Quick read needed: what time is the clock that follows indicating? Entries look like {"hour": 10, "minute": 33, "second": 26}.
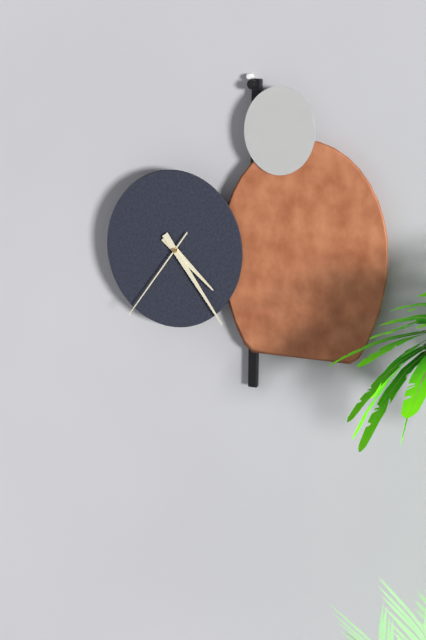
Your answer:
{"hour": 4, "minute": 24, "second": 36}
